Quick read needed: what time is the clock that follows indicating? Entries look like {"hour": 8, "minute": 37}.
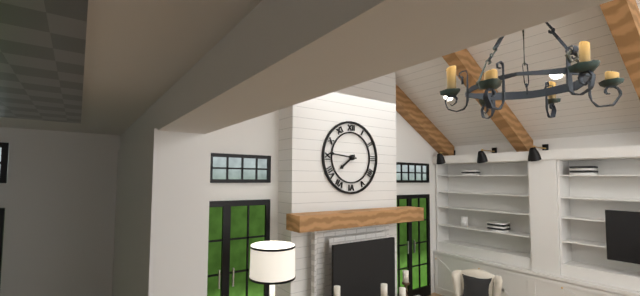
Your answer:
{"hour": 7, "minute": 46}
